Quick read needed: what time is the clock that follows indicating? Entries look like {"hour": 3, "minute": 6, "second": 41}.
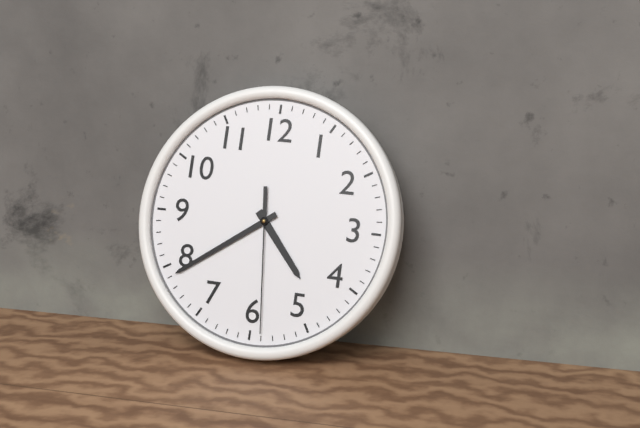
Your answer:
{"hour": 4, "minute": 39, "second": 29}
